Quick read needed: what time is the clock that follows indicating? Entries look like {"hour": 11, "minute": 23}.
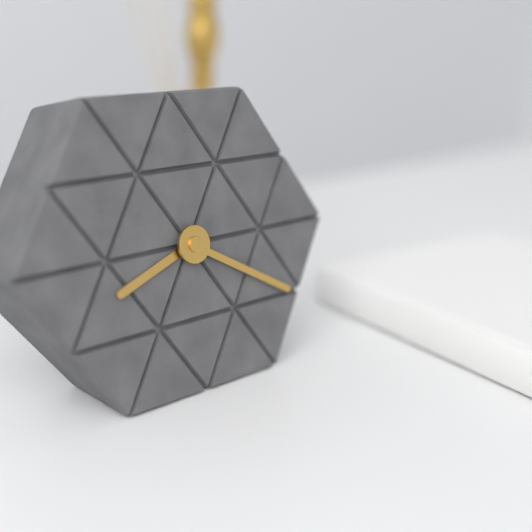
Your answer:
{"hour": 8, "minute": 20}
